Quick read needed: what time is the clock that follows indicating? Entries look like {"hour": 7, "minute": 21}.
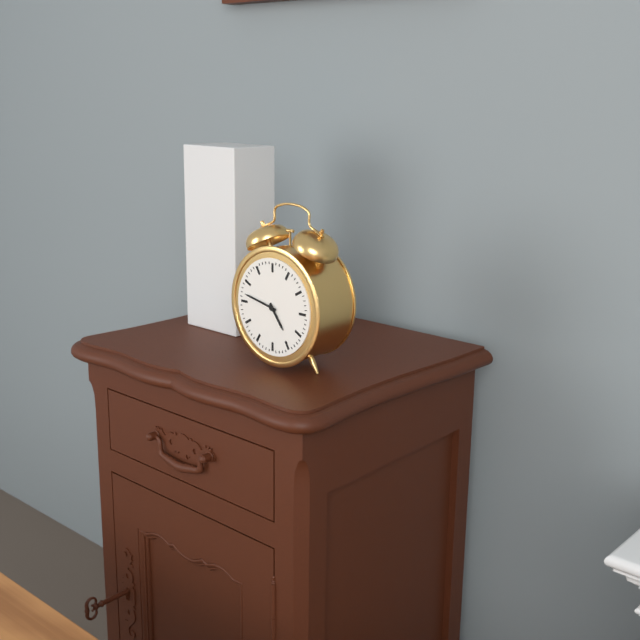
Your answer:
{"hour": 4, "minute": 47}
